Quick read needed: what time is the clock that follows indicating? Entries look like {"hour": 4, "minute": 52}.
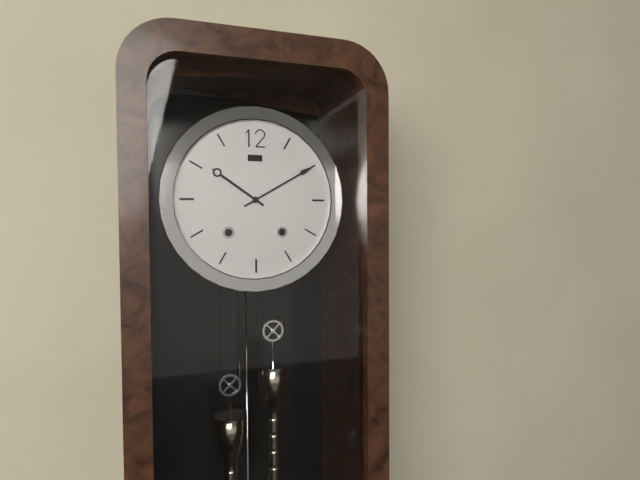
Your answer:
{"hour": 10, "minute": 10}
